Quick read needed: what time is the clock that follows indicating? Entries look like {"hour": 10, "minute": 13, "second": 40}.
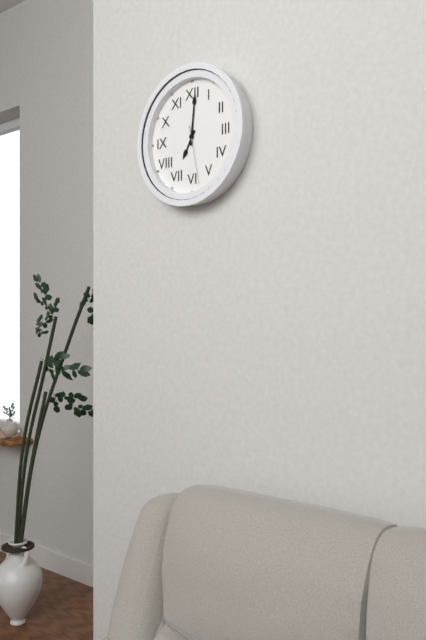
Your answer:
{"hour": 7, "minute": 1, "second": 28}
